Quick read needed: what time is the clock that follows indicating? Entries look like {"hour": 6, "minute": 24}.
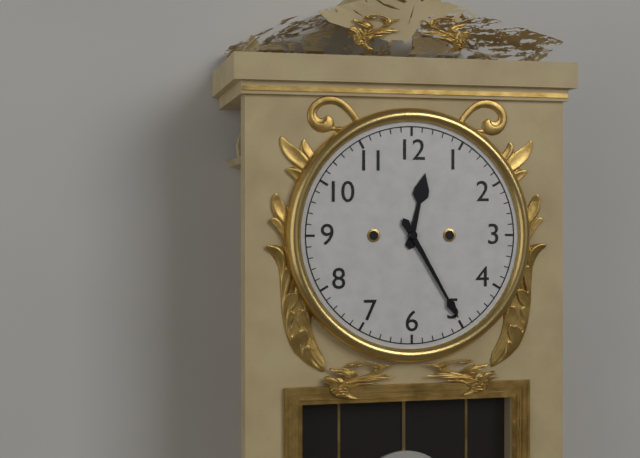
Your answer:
{"hour": 12, "minute": 25}
